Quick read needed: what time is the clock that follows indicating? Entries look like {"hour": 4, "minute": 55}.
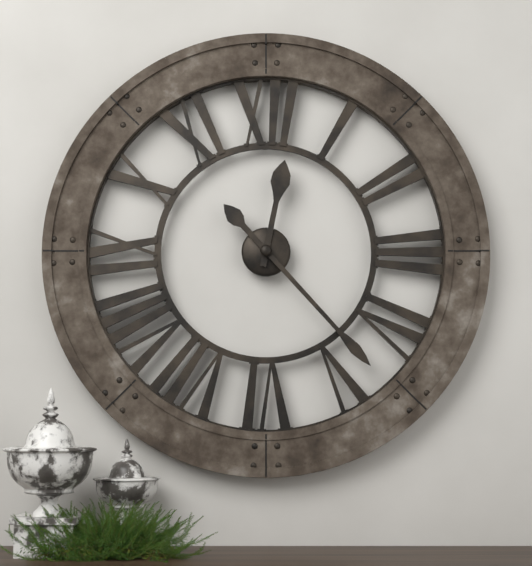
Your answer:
{"hour": 12, "minute": 23}
